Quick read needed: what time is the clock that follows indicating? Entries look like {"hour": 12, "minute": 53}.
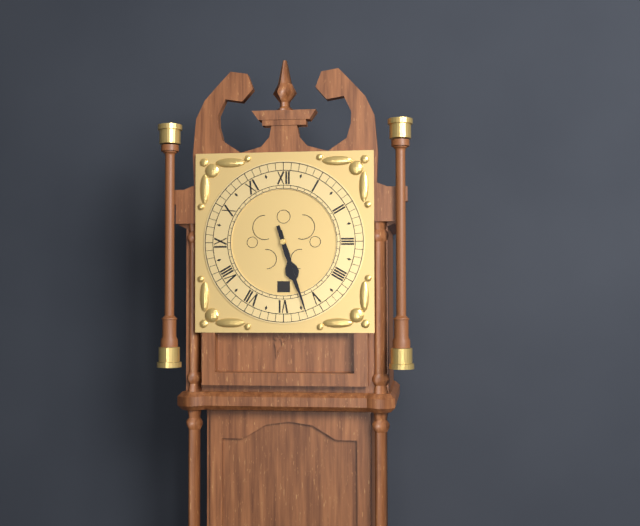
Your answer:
{"hour": 5, "minute": 27}
